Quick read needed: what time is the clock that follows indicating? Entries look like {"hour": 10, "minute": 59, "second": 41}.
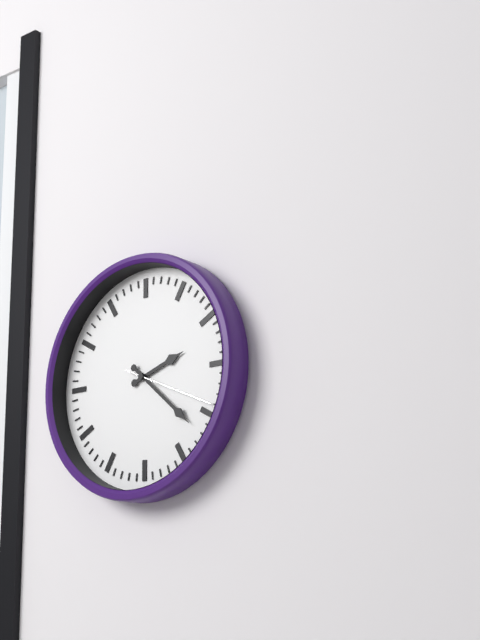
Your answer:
{"hour": 2, "minute": 22, "second": 19}
